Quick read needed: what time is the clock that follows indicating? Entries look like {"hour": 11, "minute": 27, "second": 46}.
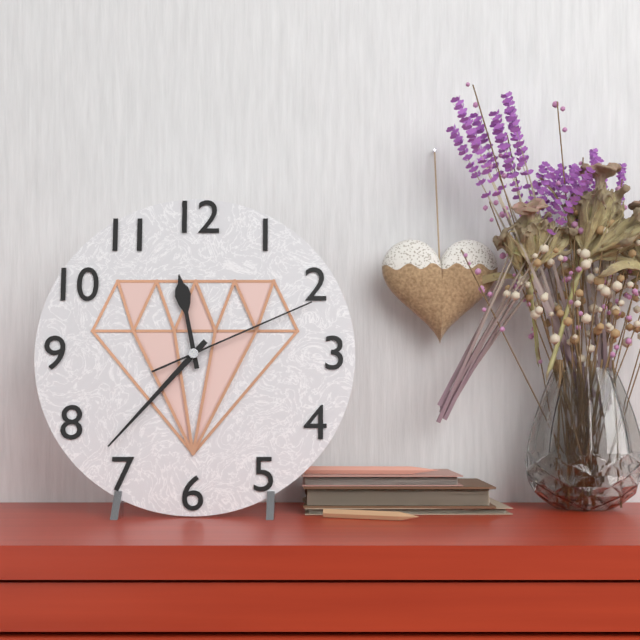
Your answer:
{"hour": 11, "minute": 37, "second": 11}
